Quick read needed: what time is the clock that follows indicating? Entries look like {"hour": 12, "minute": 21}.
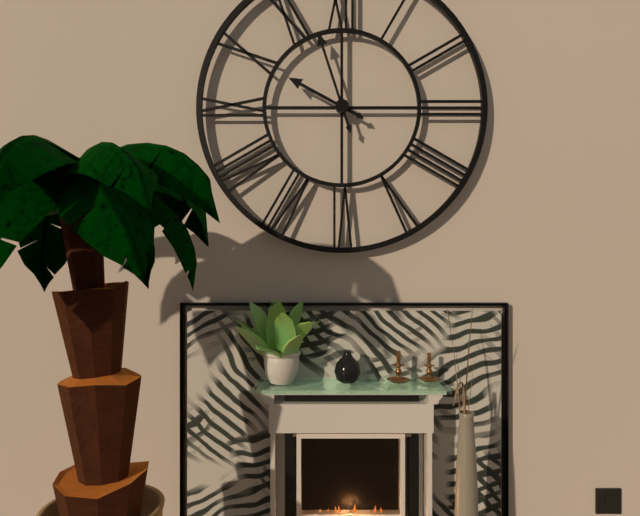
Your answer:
{"hour": 9, "minute": 57}
